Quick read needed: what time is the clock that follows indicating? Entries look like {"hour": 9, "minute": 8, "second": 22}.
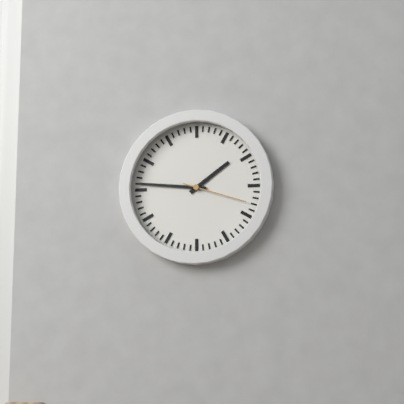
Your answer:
{"hour": 1, "minute": 46, "second": 18}
